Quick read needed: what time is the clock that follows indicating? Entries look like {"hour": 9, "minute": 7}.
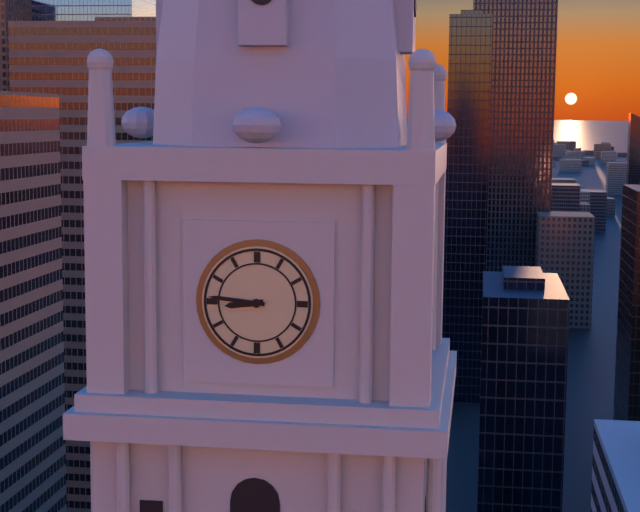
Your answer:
{"hour": 8, "minute": 46}
